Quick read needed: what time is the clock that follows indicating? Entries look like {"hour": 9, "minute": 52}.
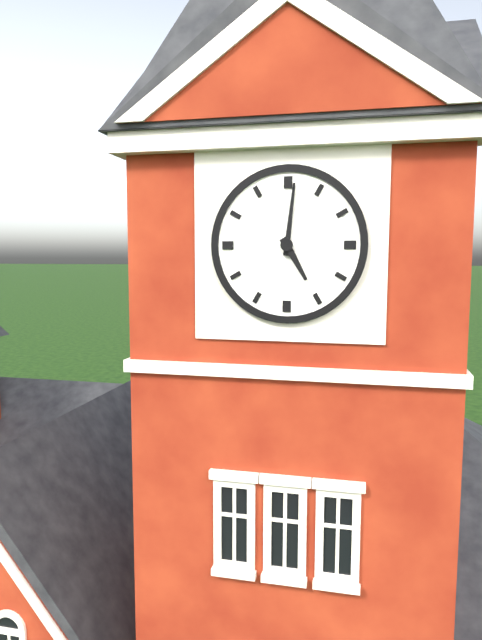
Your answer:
{"hour": 5, "minute": 1}
